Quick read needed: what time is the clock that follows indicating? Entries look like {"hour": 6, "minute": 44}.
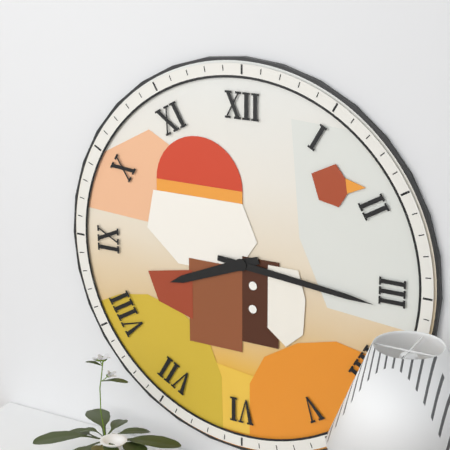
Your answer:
{"hour": 8, "minute": 16}
